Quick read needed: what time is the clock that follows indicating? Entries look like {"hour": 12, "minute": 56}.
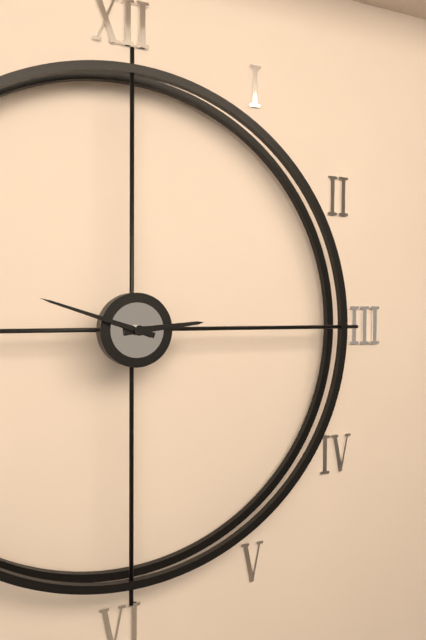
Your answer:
{"hour": 2, "minute": 48}
